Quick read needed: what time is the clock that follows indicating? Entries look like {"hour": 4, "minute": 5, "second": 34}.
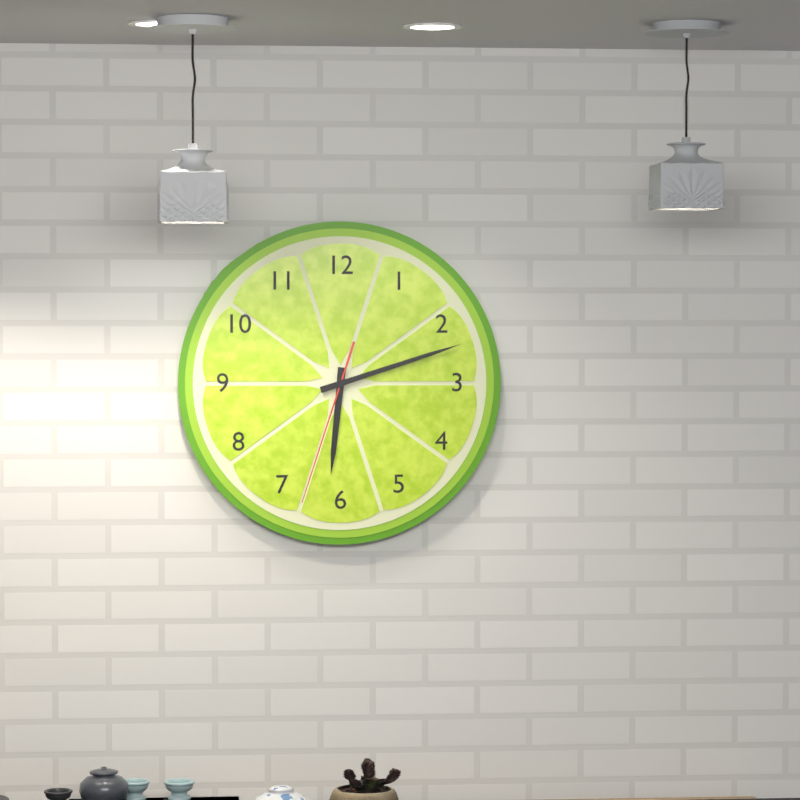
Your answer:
{"hour": 6, "minute": 12, "second": 33}
